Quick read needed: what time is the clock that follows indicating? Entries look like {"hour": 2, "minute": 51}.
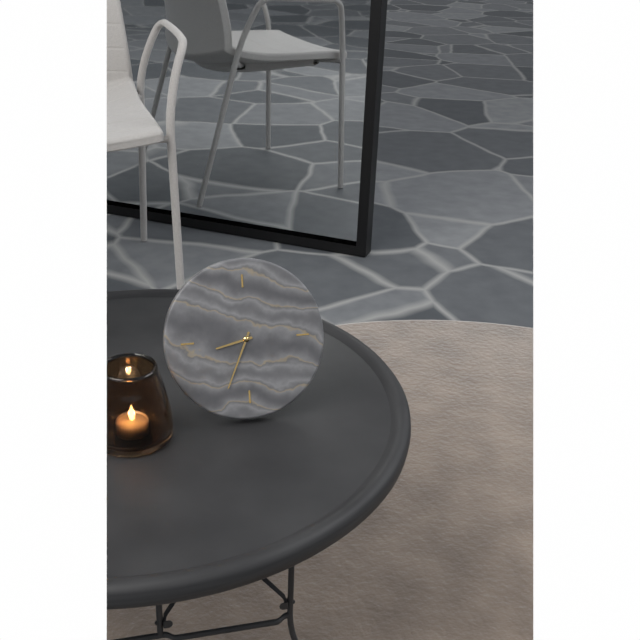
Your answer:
{"hour": 8, "minute": 34}
